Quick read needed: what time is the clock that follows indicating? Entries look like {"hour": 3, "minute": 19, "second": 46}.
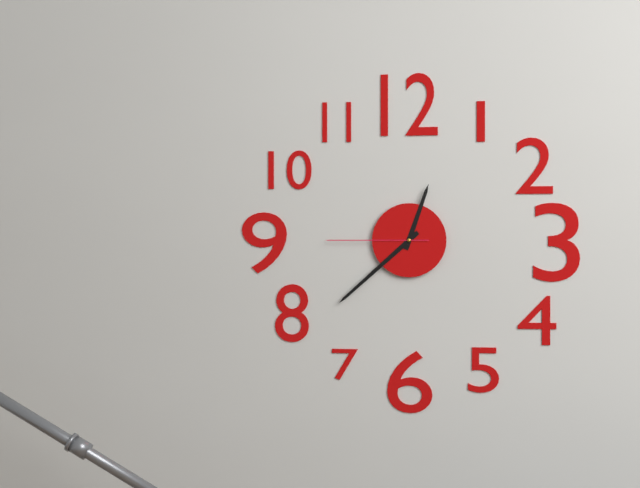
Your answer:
{"hour": 12, "minute": 38, "second": 45}
